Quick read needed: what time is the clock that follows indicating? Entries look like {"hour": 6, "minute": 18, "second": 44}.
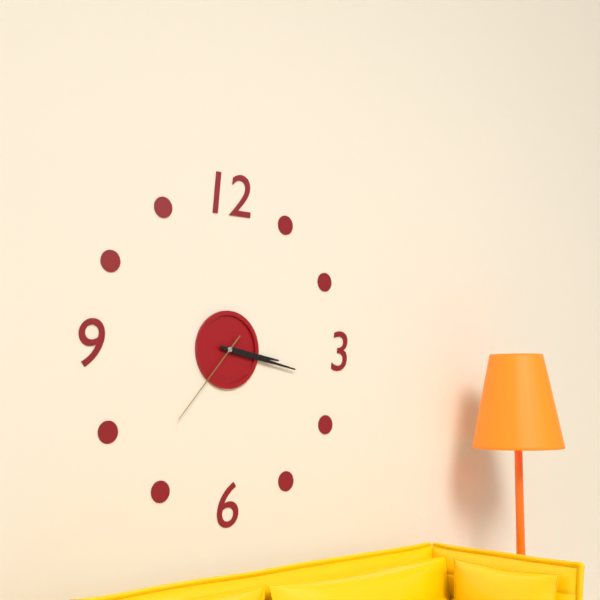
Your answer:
{"hour": 3, "minute": 17, "second": 37}
